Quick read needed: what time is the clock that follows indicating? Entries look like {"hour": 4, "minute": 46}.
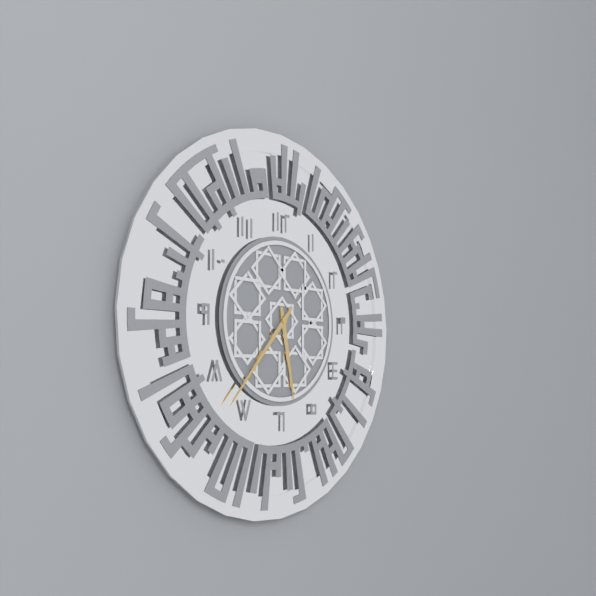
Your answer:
{"hour": 5, "minute": 37}
